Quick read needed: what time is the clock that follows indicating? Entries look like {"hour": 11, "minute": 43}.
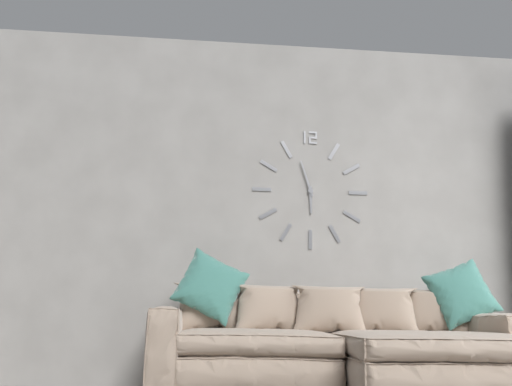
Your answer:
{"hour": 5, "minute": 57}
